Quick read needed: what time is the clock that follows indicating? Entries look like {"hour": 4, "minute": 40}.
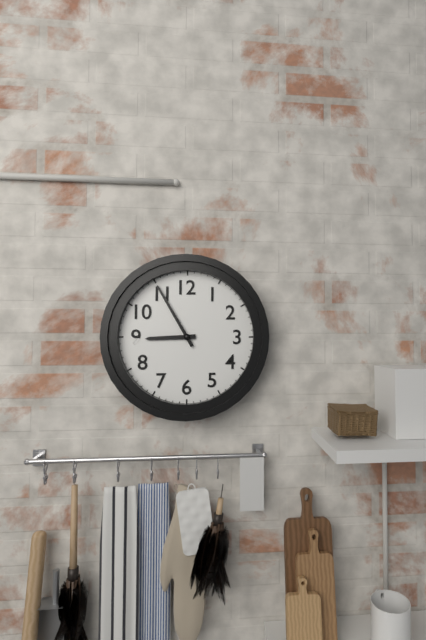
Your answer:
{"hour": 8, "minute": 55}
